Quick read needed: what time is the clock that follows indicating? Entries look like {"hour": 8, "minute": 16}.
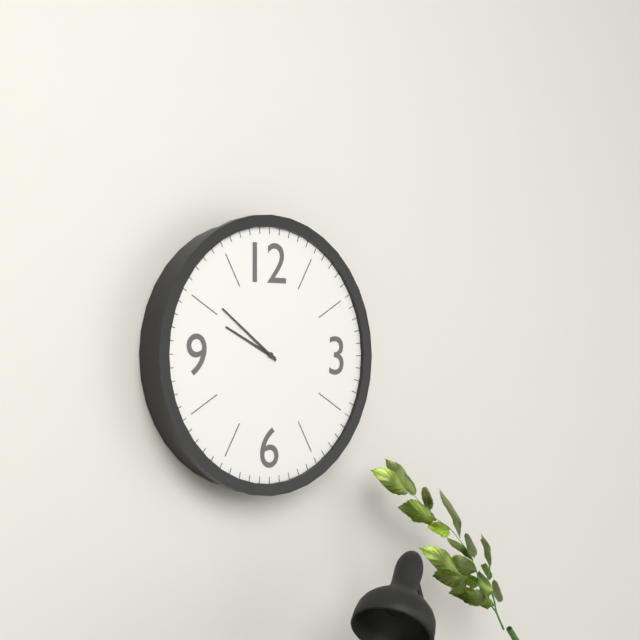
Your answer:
{"hour": 9, "minute": 51}
